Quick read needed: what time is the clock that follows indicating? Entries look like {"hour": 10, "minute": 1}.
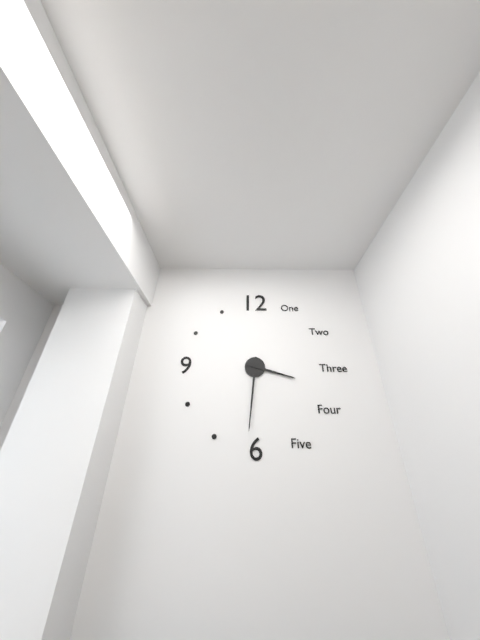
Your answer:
{"hour": 3, "minute": 31}
